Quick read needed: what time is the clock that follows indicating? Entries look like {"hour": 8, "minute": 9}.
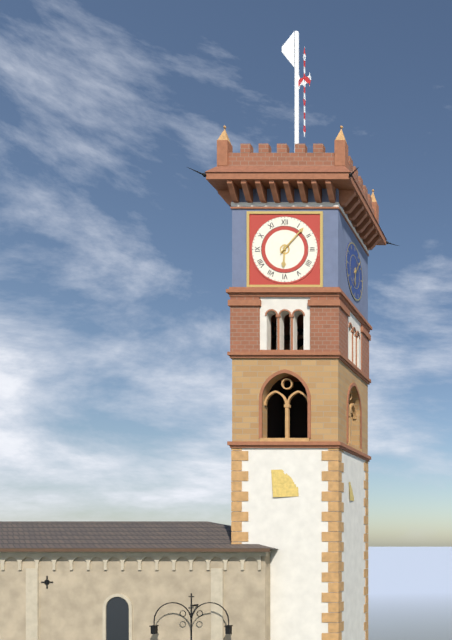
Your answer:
{"hour": 6, "minute": 7}
